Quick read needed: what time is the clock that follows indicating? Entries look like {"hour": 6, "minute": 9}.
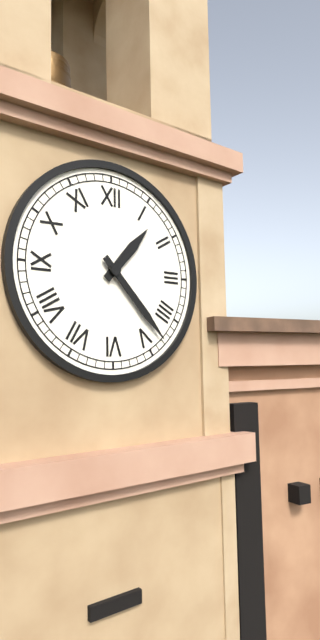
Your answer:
{"hour": 1, "minute": 23}
